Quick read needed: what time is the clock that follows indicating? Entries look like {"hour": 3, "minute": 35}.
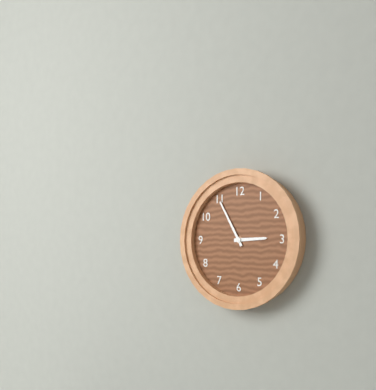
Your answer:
{"hour": 2, "minute": 55}
